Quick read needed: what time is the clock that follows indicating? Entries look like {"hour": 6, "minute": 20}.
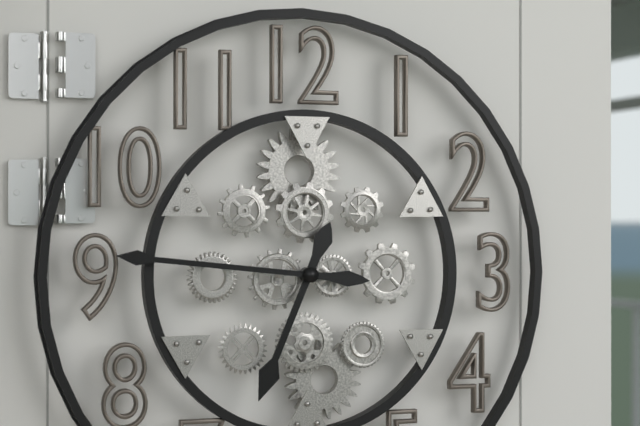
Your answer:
{"hour": 6, "minute": 46}
